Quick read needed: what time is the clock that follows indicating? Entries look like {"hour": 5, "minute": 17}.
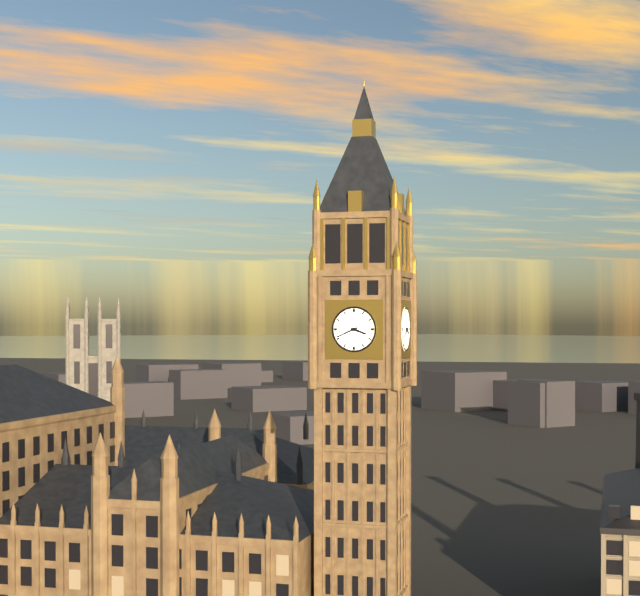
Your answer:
{"hour": 3, "minute": 41}
